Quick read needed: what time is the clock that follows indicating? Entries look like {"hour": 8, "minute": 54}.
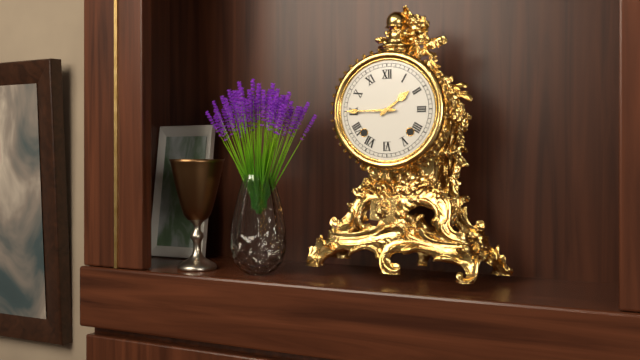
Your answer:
{"hour": 1, "minute": 45}
